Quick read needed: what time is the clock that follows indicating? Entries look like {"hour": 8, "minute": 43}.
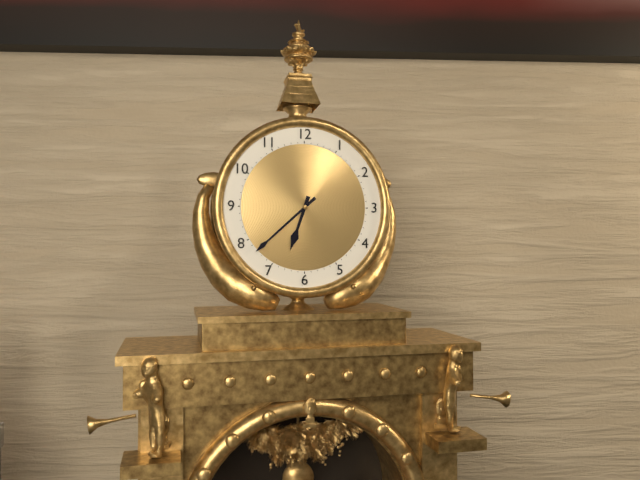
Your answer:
{"hour": 6, "minute": 38}
